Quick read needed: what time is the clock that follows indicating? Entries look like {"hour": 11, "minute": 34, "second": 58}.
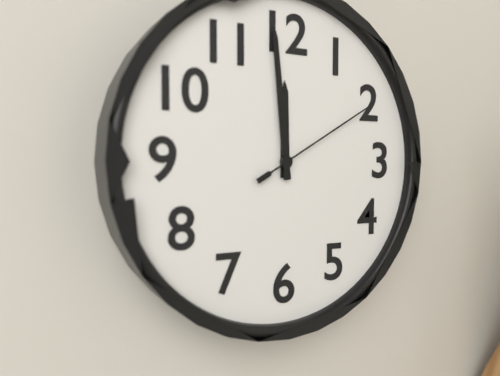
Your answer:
{"hour": 11, "minute": 59, "second": 10}
